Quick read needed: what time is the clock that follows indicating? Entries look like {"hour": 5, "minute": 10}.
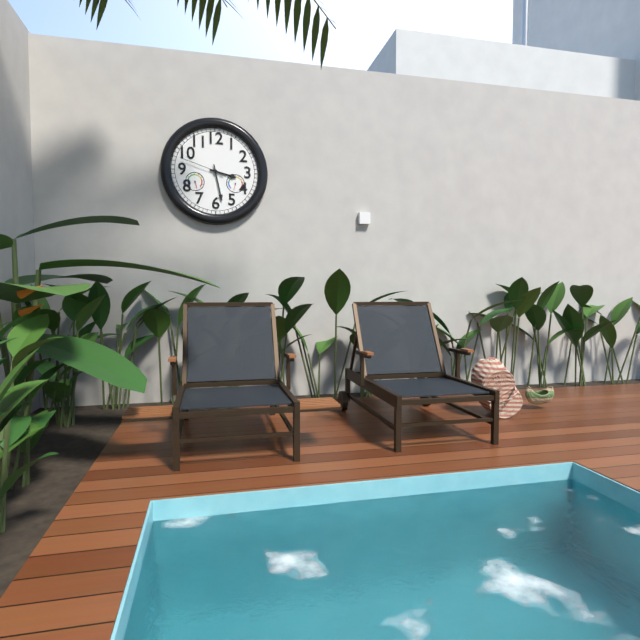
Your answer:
{"hour": 3, "minute": 28}
